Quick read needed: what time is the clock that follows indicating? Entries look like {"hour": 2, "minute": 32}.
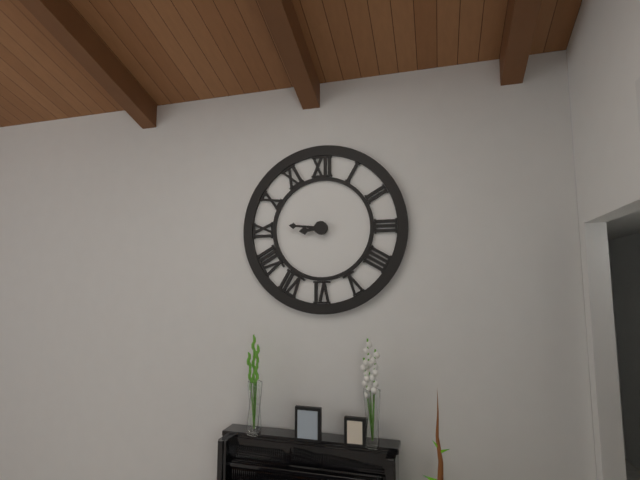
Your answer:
{"hour": 8, "minute": 46}
